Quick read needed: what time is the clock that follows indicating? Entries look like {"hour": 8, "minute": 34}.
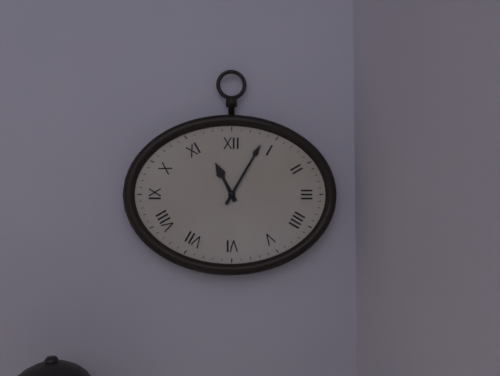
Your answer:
{"hour": 11, "minute": 5}
